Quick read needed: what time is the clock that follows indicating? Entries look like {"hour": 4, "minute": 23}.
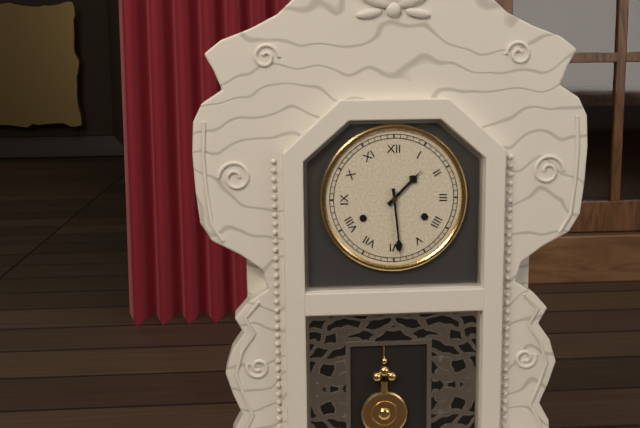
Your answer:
{"hour": 1, "minute": 29}
